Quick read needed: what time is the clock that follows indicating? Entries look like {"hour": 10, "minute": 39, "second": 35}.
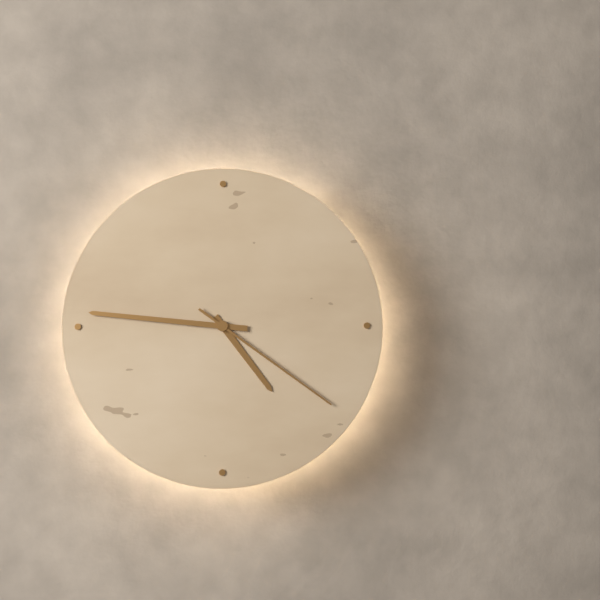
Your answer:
{"hour": 4, "minute": 46, "second": 21}
